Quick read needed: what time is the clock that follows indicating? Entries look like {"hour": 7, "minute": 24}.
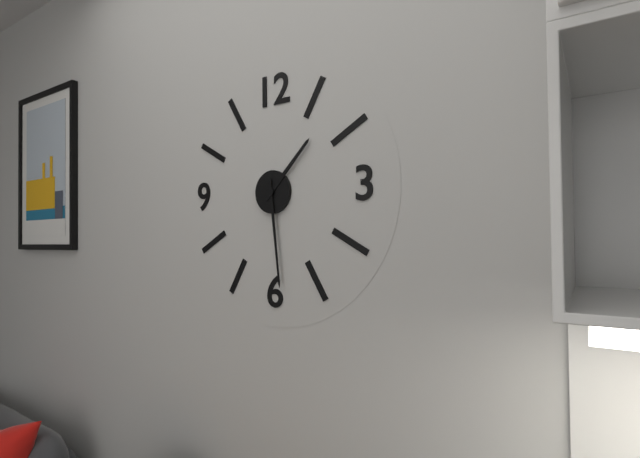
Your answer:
{"hour": 1, "minute": 29}
